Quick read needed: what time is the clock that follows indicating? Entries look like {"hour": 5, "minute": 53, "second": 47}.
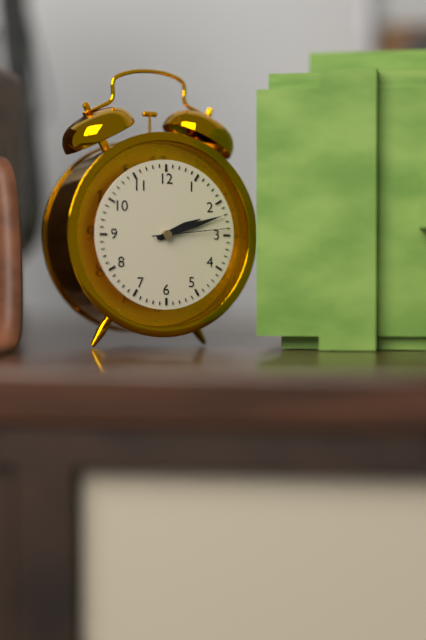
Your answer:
{"hour": 2, "minute": 12, "second": 14}
